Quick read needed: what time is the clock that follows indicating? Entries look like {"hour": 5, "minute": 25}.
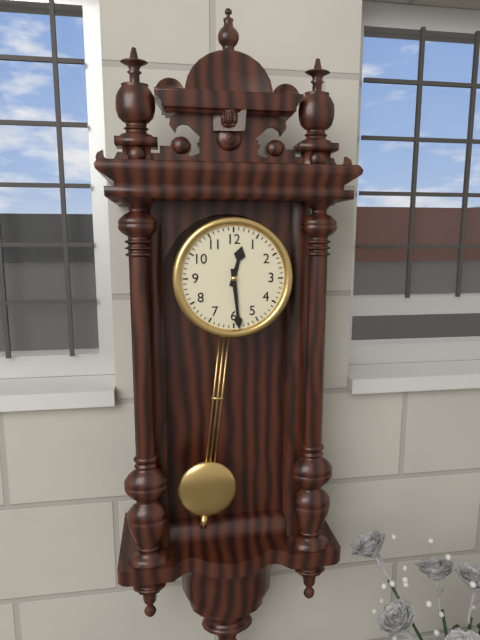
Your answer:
{"hour": 12, "minute": 29}
